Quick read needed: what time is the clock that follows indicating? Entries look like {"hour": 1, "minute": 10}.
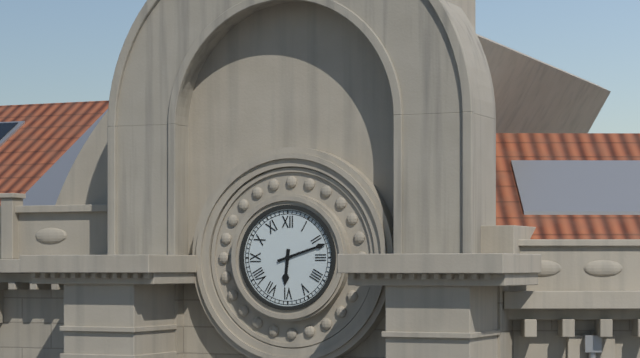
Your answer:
{"hour": 6, "minute": 12}
